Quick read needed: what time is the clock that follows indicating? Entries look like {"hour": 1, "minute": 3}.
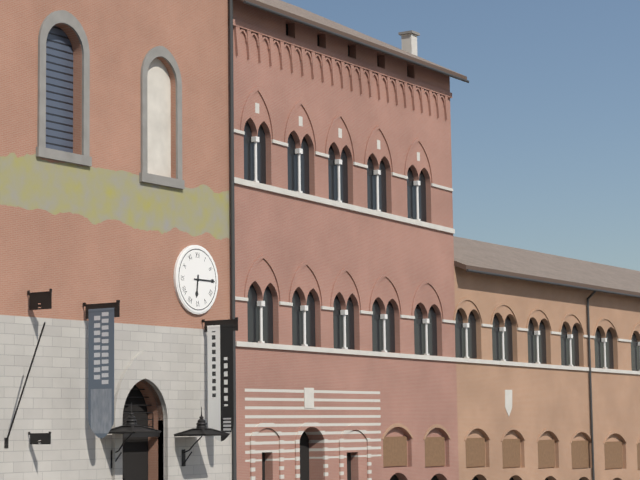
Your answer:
{"hour": 6, "minute": 15}
